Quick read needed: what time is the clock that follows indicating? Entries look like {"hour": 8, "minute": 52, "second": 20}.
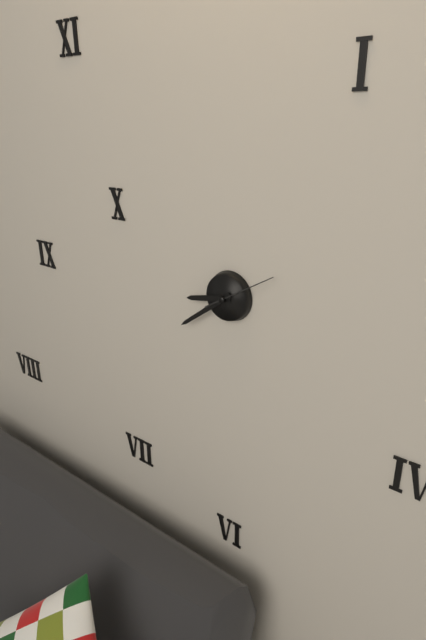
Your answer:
{"hour": 8, "minute": 39, "second": 10}
